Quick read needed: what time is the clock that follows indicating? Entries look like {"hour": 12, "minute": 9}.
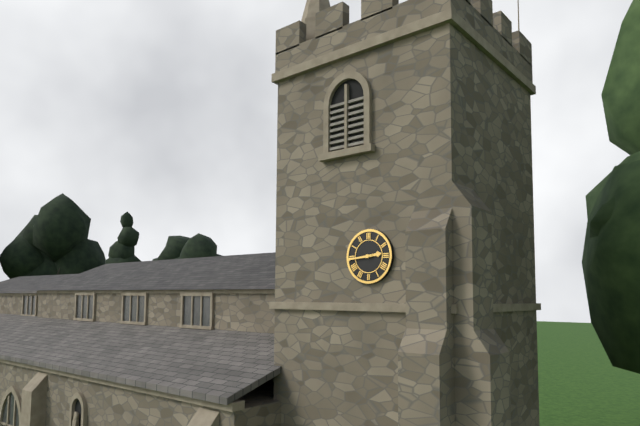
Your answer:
{"hour": 2, "minute": 44}
